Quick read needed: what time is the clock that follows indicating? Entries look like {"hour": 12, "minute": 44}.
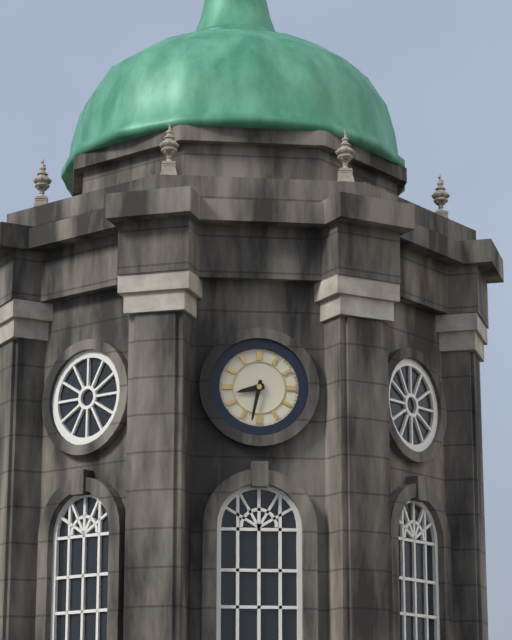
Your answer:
{"hour": 8, "minute": 32}
